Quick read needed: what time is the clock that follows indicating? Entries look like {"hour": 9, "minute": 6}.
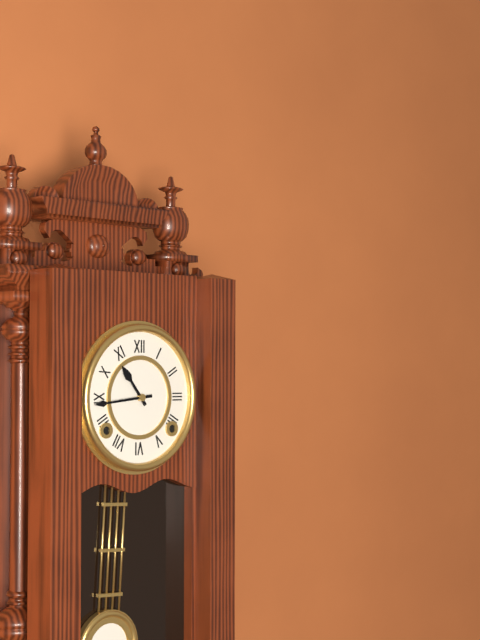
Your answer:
{"hour": 10, "minute": 44}
